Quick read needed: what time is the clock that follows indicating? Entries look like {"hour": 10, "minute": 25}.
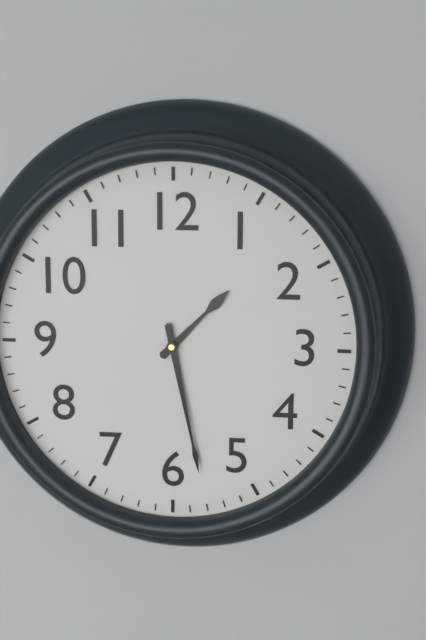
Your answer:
{"hour": 1, "minute": 28}
